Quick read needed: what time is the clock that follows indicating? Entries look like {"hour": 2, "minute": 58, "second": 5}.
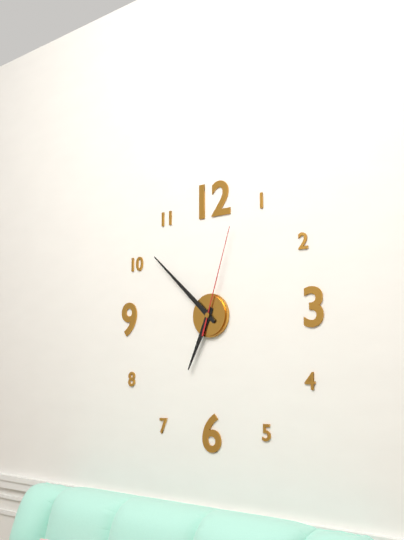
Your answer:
{"hour": 6, "minute": 52, "second": 3}
